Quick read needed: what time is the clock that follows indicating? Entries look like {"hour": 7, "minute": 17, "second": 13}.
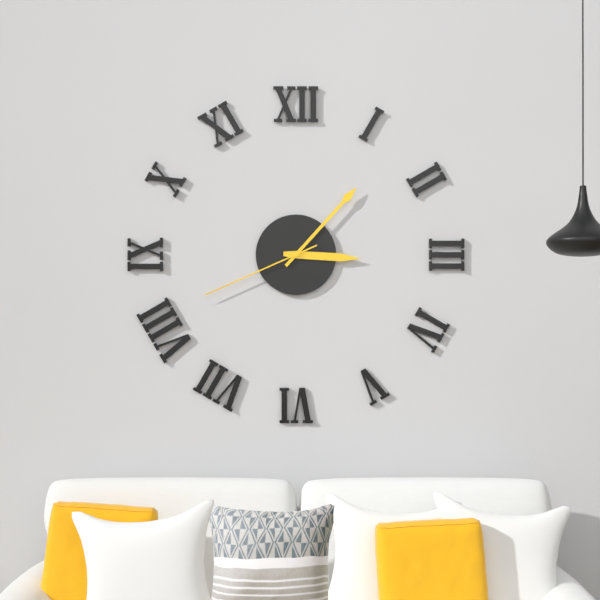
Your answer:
{"hour": 3, "minute": 7, "second": 41}
